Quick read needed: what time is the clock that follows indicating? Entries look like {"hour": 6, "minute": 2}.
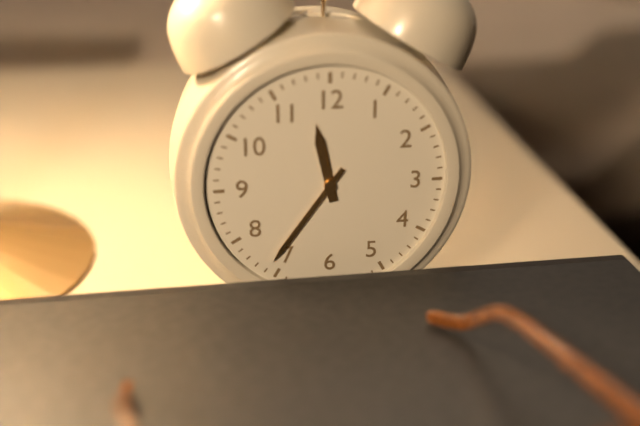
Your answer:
{"hour": 11, "minute": 36}
